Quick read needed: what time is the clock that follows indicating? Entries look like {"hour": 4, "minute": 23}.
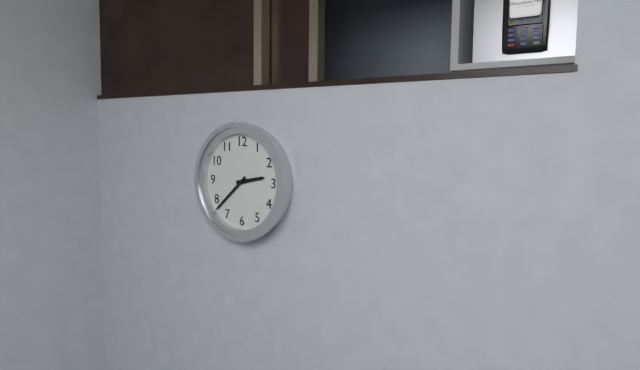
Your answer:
{"hour": 2, "minute": 38}
